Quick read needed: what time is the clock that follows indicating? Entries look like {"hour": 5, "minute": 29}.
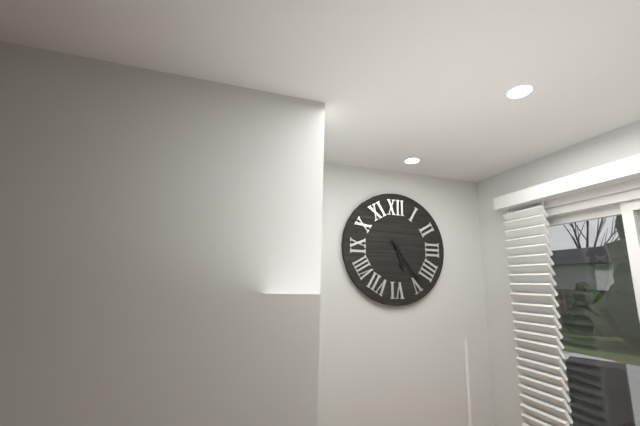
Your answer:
{"hour": 5, "minute": 24}
